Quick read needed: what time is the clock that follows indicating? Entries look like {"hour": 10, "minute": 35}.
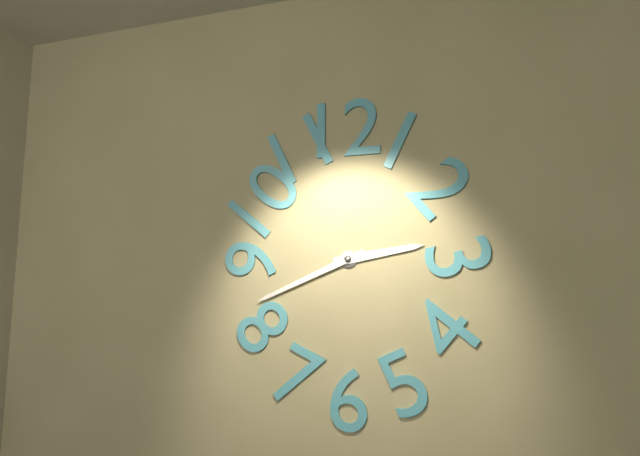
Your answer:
{"hour": 2, "minute": 41}
